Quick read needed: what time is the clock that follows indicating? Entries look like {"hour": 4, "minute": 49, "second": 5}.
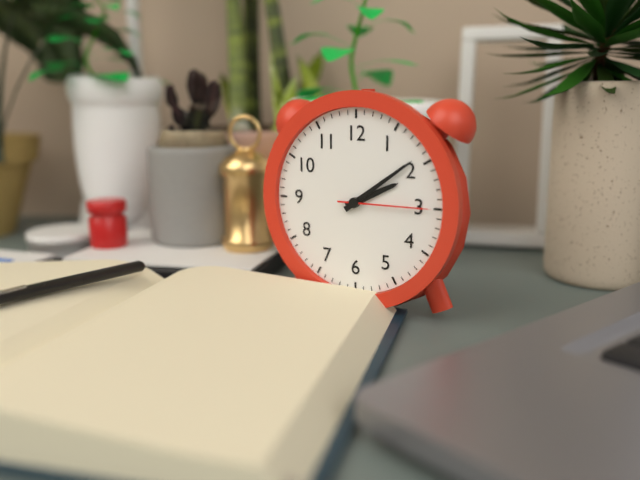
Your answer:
{"hour": 2, "minute": 9, "second": 15}
